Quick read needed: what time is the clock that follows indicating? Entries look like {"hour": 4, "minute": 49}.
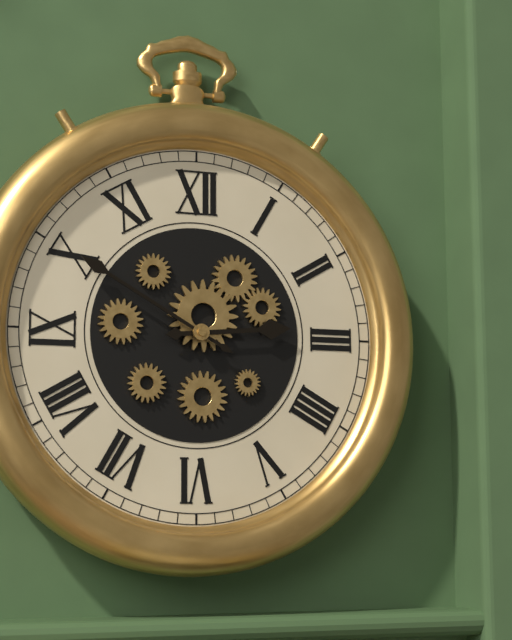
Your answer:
{"hour": 2, "minute": 50}
